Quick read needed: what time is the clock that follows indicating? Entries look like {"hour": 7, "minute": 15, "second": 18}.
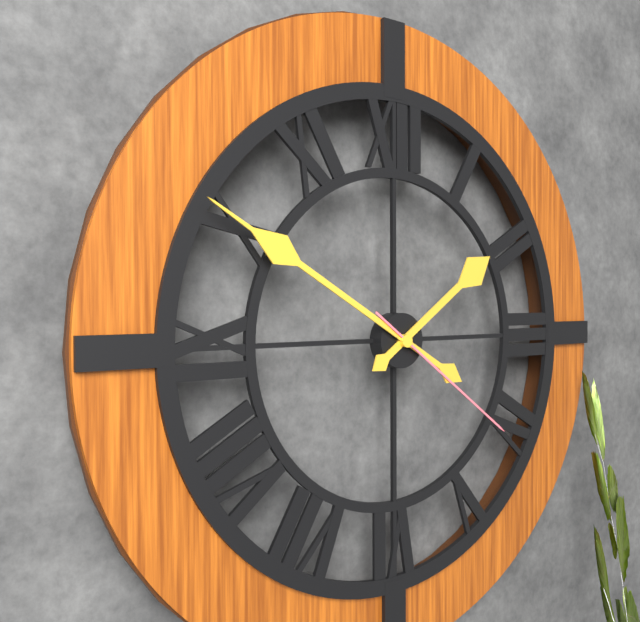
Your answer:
{"hour": 1, "minute": 50, "second": 21}
